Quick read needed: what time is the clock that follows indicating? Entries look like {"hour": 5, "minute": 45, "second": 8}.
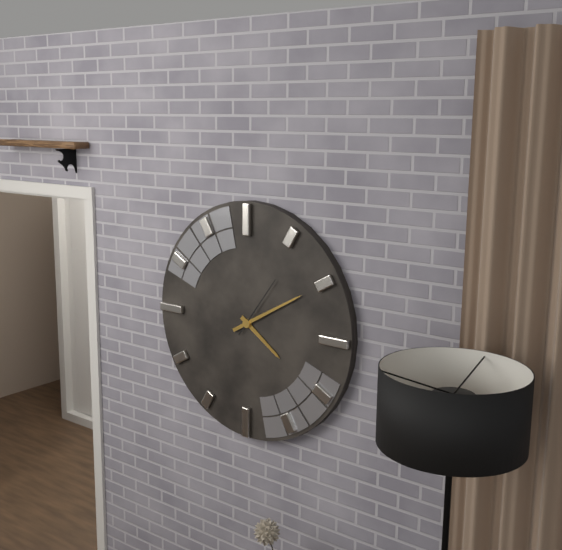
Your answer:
{"hour": 4, "minute": 10, "second": 6}
